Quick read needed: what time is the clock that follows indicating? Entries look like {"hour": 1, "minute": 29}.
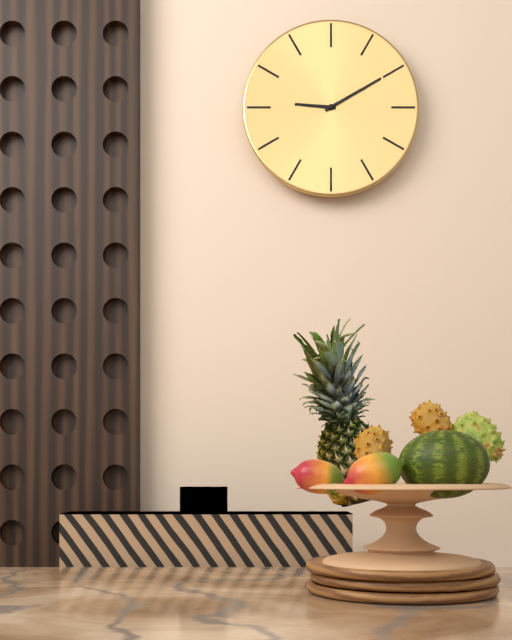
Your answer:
{"hour": 9, "minute": 10}
